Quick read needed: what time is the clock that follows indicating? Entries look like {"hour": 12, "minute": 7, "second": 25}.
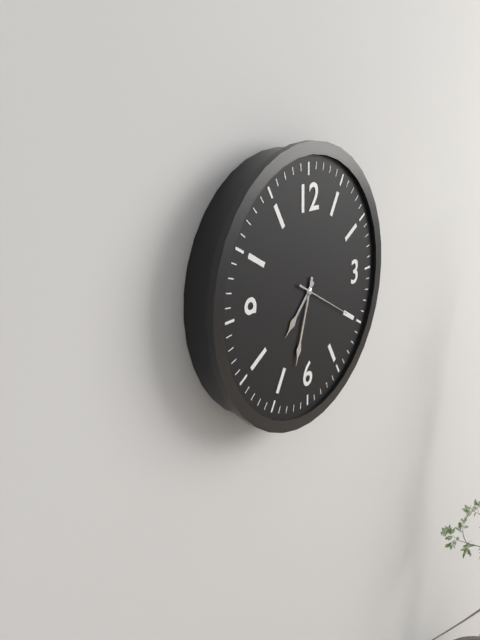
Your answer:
{"hour": 7, "minute": 33, "second": 20}
